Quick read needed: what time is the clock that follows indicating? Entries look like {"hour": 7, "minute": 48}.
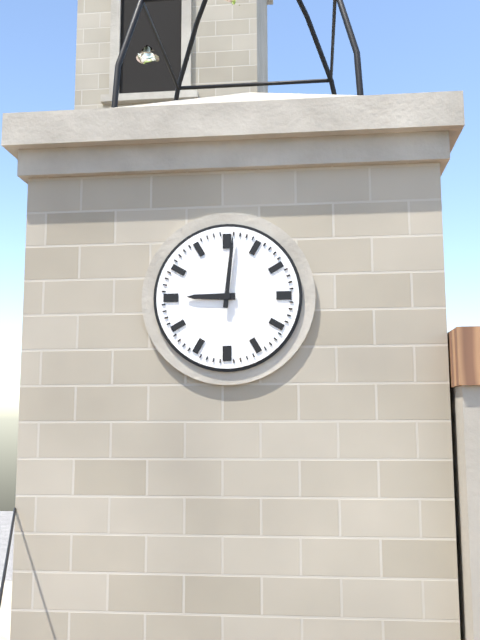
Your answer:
{"hour": 9, "minute": 1}
